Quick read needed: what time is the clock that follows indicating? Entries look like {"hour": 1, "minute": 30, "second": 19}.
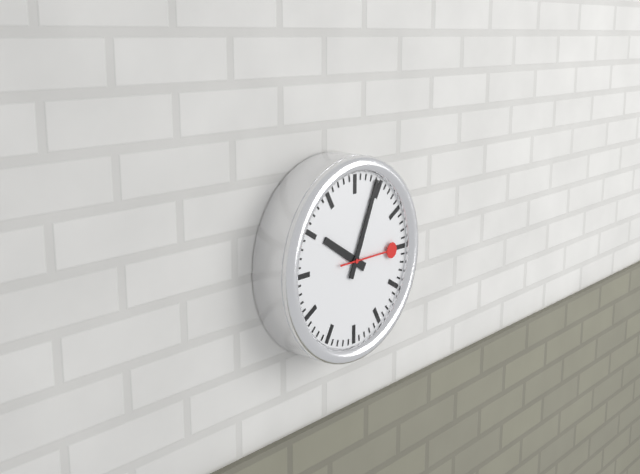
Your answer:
{"hour": 10, "minute": 4, "second": 15}
